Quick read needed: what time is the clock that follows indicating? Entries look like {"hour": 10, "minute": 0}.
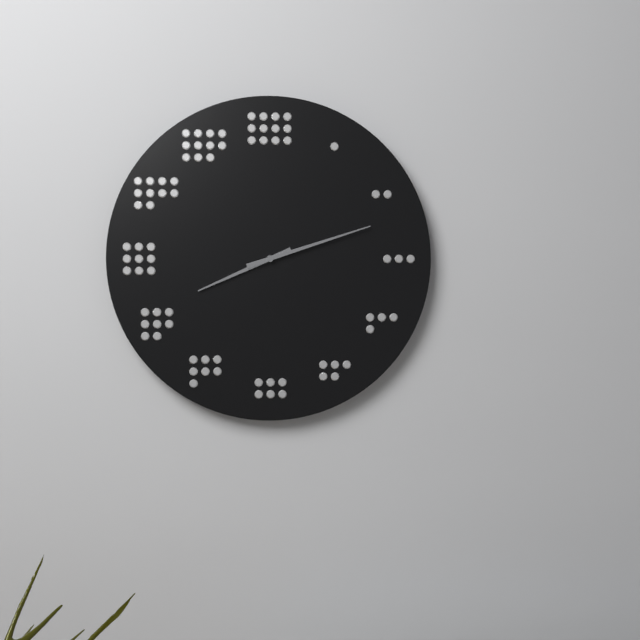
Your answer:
{"hour": 8, "minute": 12}
